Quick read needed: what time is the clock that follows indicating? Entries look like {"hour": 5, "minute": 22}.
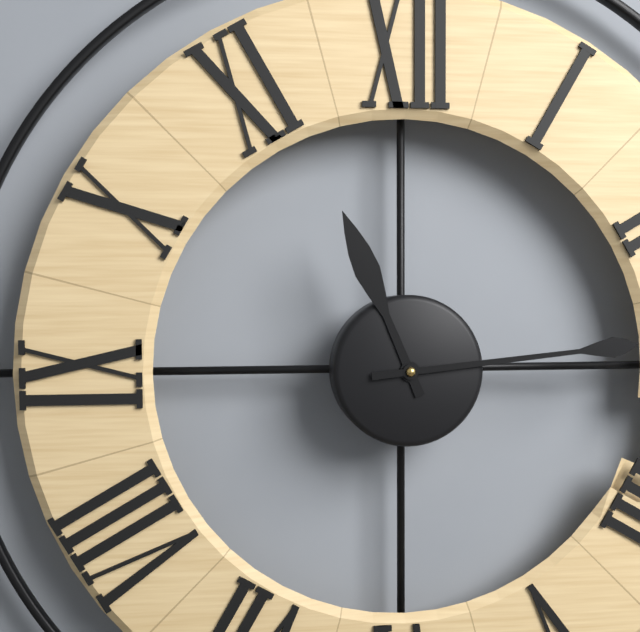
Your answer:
{"hour": 11, "minute": 14}
